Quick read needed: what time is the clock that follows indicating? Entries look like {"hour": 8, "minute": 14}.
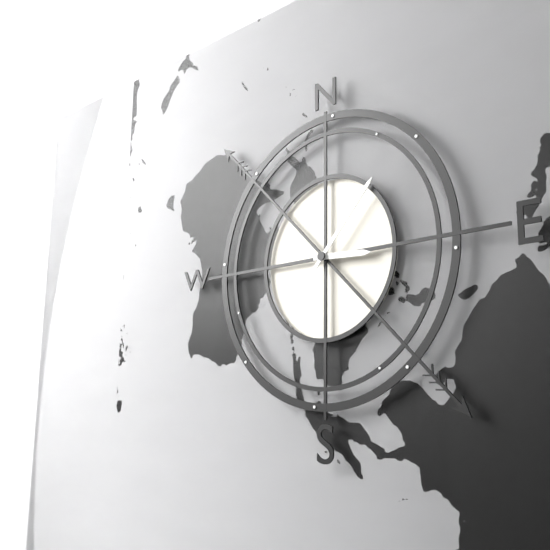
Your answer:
{"hour": 3, "minute": 7}
